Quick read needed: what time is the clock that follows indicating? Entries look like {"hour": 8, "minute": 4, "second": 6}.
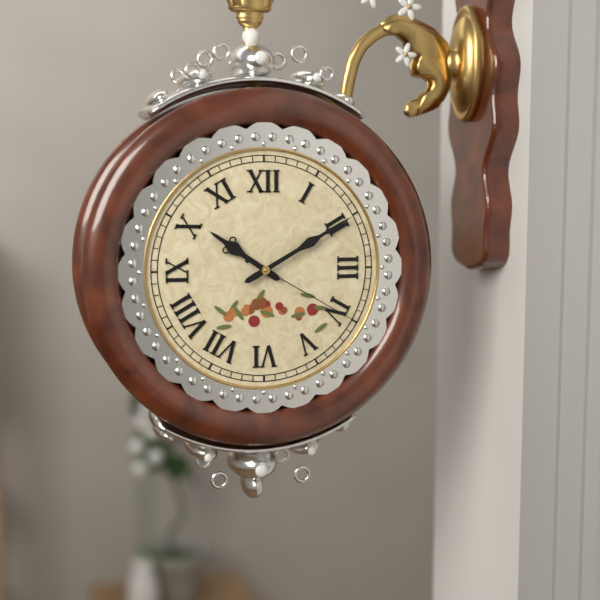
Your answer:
{"hour": 10, "minute": 10, "second": 20}
